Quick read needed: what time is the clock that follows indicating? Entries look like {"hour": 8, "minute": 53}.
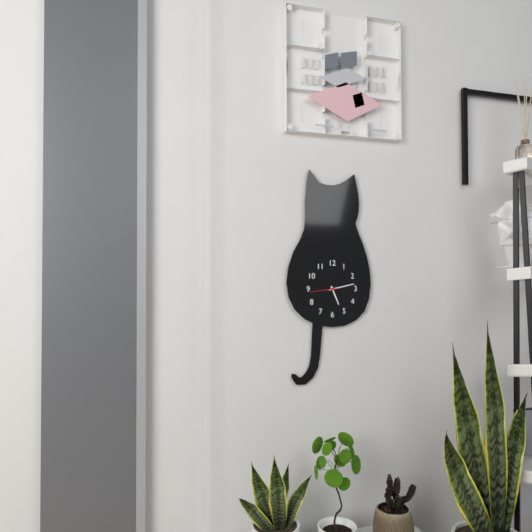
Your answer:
{"hour": 5, "minute": 13}
